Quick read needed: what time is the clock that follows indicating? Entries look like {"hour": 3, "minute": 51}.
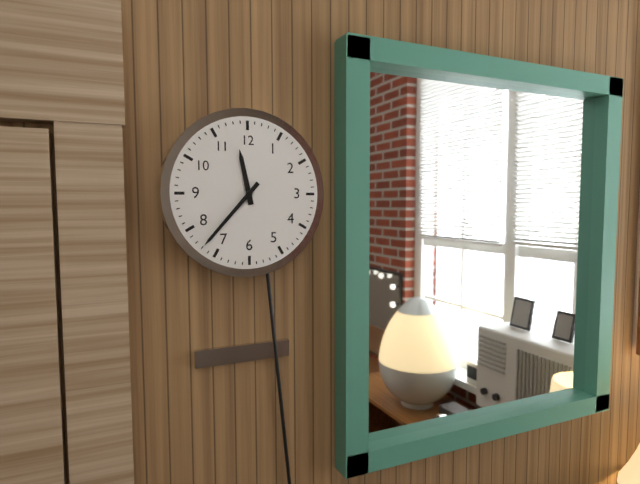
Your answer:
{"hour": 11, "minute": 37}
